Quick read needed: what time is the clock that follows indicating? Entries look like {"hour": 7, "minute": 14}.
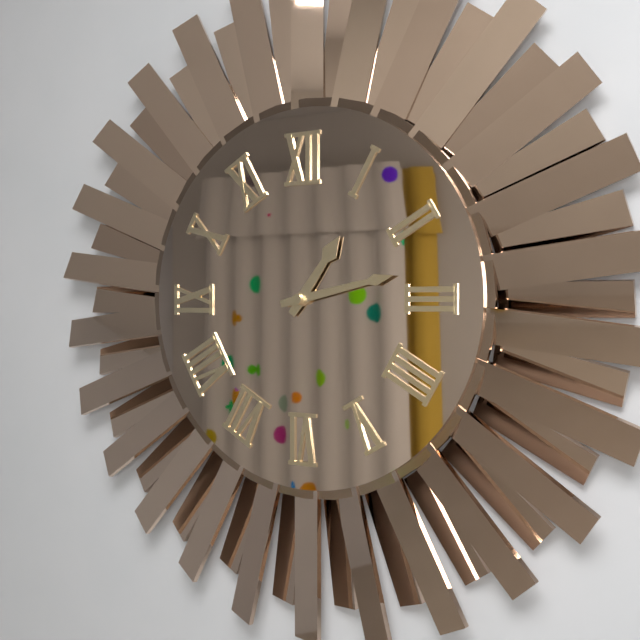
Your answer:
{"hour": 1, "minute": 13}
